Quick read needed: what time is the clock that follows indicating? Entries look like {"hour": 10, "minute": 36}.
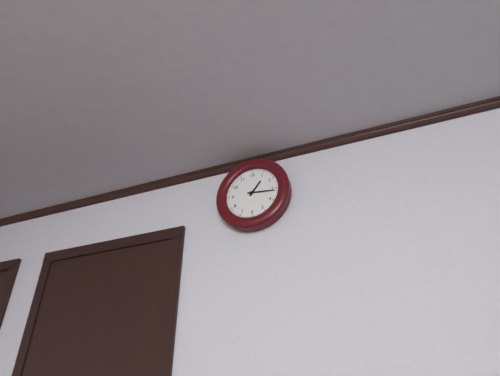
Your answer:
{"hour": 1, "minute": 16}
